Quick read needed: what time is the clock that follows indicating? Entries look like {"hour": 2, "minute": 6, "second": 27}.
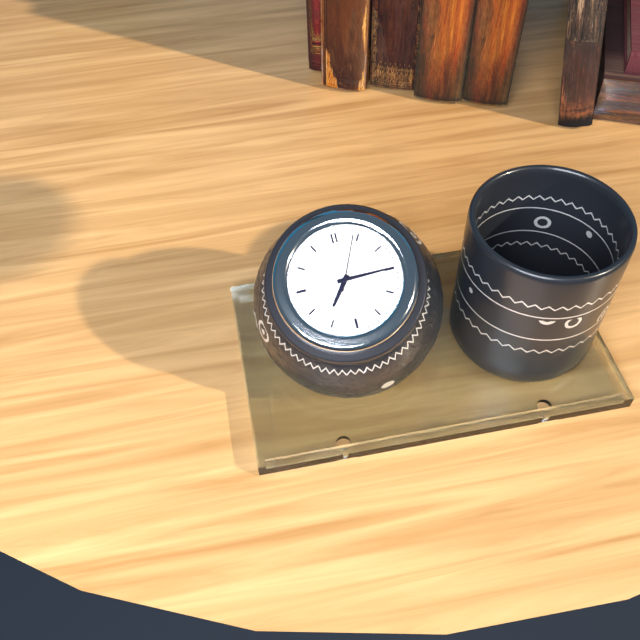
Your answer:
{"hour": 7, "minute": 15, "second": 4}
